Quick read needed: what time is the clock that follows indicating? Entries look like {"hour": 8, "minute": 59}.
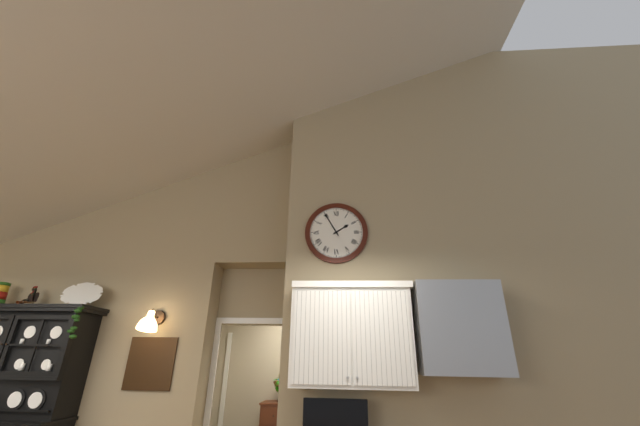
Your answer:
{"hour": 1, "minute": 55}
